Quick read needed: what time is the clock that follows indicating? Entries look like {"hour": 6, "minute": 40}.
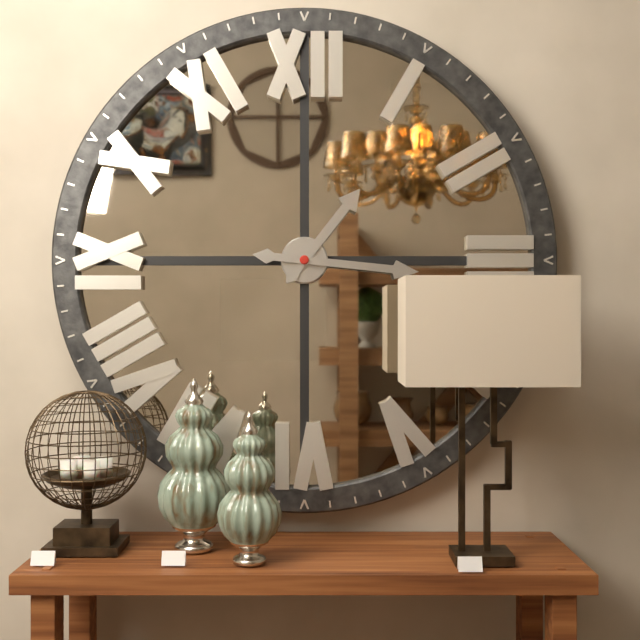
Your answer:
{"hour": 1, "minute": 16}
